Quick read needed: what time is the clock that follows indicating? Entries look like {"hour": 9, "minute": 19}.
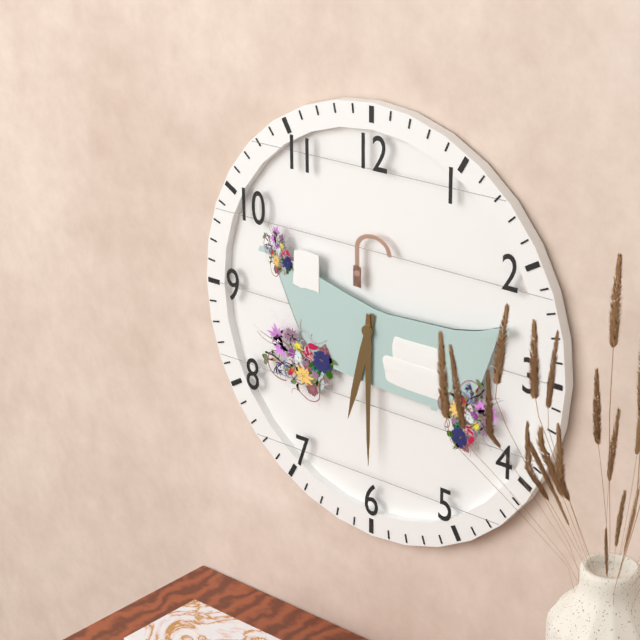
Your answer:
{"hour": 6, "minute": 30}
